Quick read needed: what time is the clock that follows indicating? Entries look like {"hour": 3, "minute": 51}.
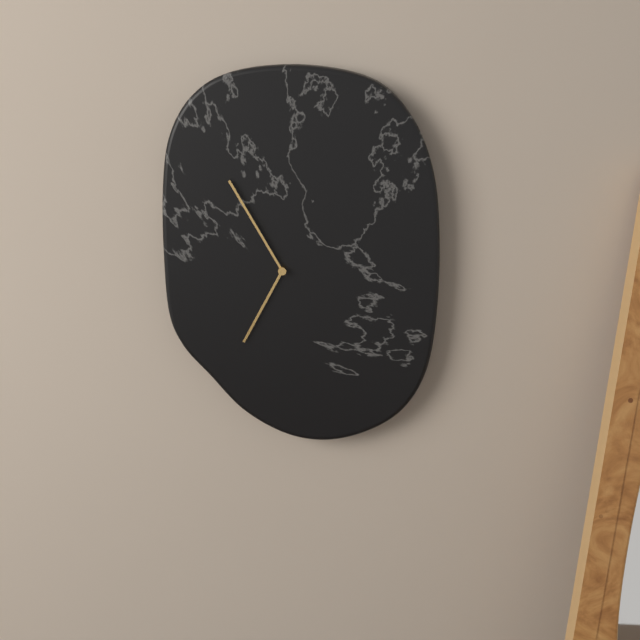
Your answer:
{"hour": 6, "minute": 55}
